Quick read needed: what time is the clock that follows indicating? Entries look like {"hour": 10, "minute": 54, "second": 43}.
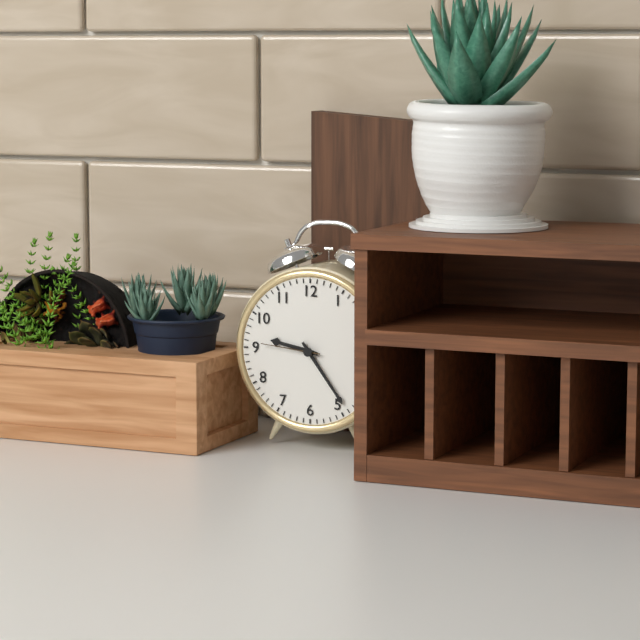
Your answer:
{"hour": 9, "minute": 24, "second": 46}
